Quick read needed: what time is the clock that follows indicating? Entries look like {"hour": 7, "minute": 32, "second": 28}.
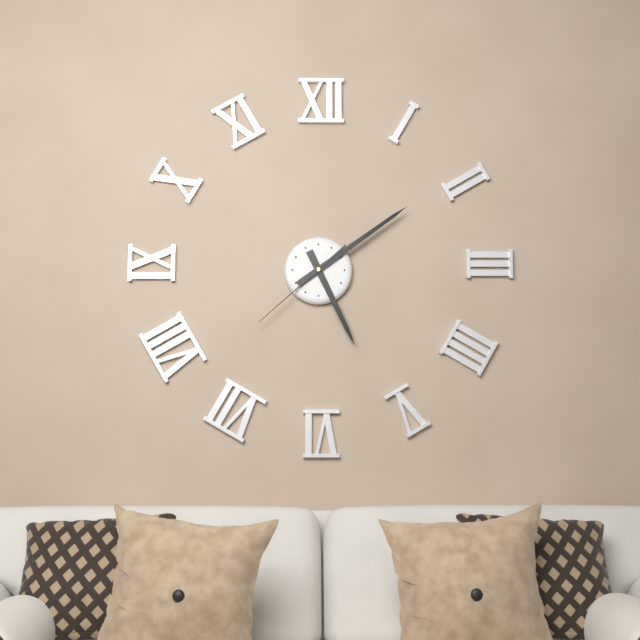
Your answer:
{"hour": 5, "minute": 9, "second": 38}
